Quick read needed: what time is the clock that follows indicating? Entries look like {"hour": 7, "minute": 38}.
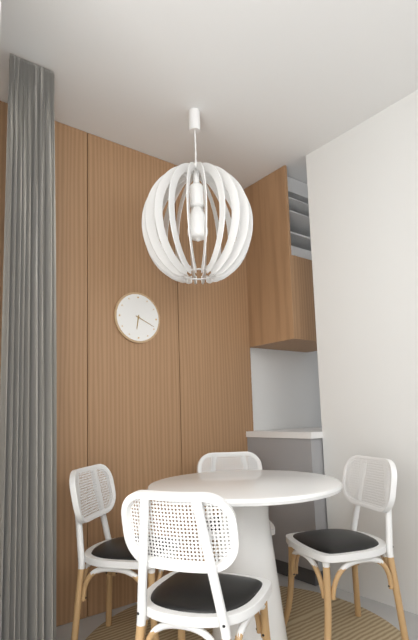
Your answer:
{"hour": 6, "minute": 19}
